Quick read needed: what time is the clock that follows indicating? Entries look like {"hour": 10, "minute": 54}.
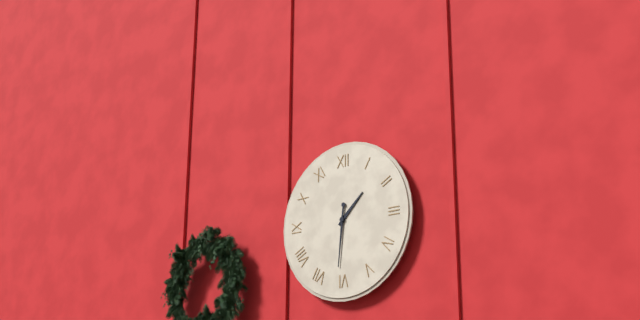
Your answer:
{"hour": 1, "minute": 31}
